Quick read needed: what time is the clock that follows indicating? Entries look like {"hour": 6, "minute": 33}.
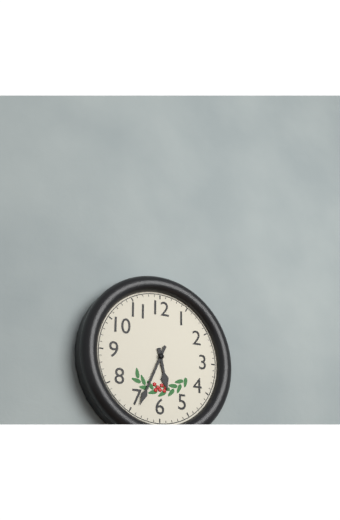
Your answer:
{"hour": 5, "minute": 34}
